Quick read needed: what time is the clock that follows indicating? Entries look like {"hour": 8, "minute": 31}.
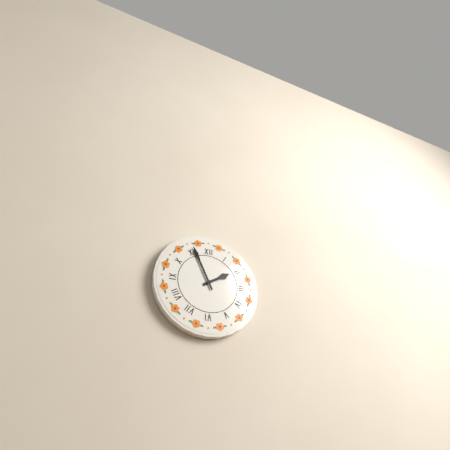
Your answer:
{"hour": 1, "minute": 56}
